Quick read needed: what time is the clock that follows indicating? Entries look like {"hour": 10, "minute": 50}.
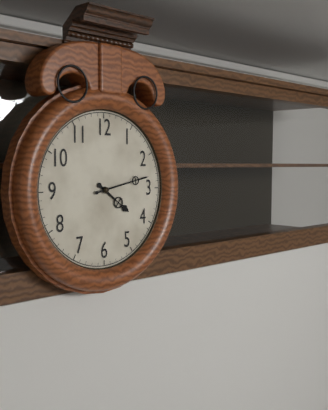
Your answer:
{"hour": 4, "minute": 13}
